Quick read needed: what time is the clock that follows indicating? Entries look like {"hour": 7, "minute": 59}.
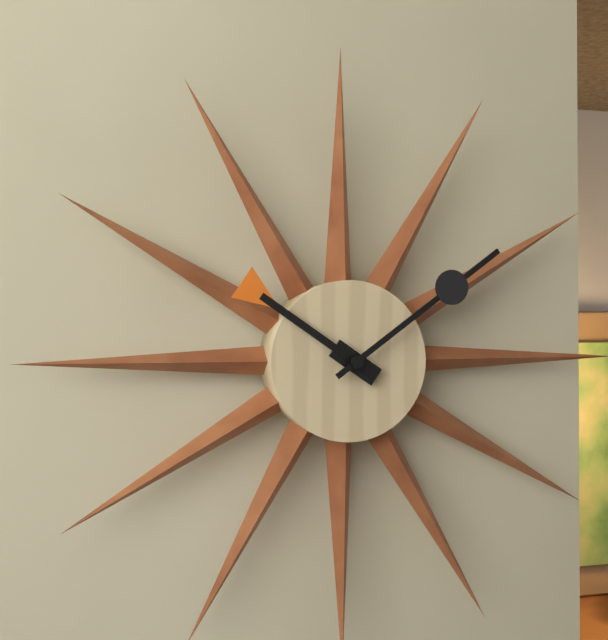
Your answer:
{"hour": 10, "minute": 9}
